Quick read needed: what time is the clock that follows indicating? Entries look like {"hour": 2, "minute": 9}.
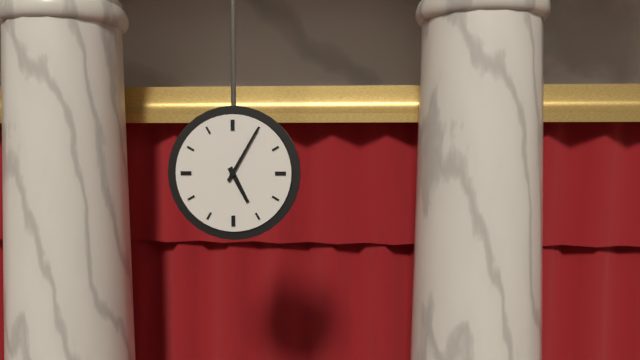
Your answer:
{"hour": 5, "minute": 5}
